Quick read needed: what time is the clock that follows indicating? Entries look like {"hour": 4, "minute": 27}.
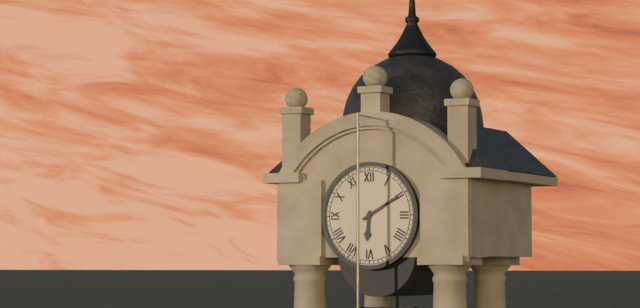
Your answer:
{"hour": 6, "minute": 10}
